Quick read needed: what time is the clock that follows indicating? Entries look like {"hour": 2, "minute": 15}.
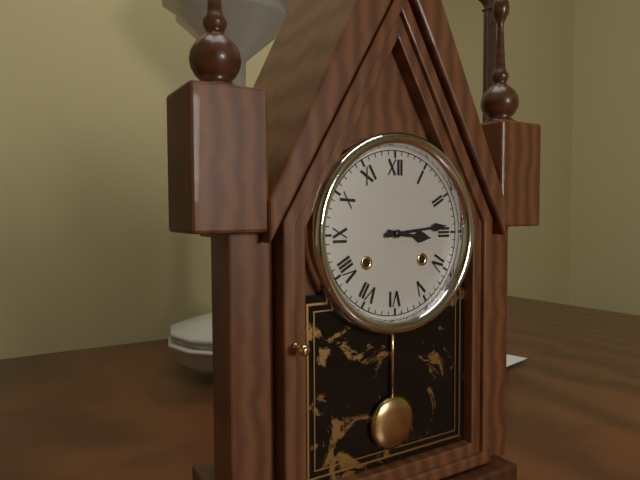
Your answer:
{"hour": 3, "minute": 14}
